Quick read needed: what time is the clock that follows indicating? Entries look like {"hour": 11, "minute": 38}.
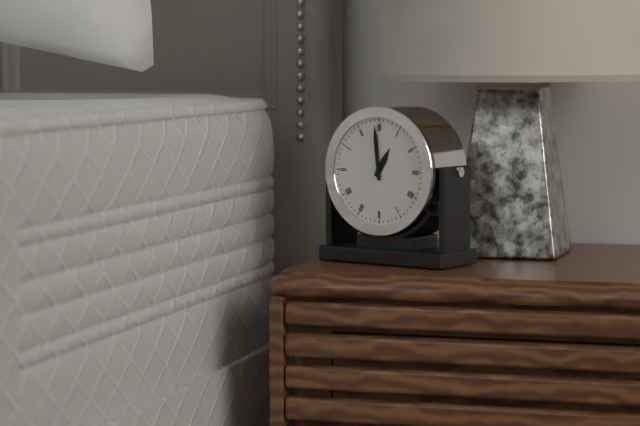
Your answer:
{"hour": 12, "minute": 59}
